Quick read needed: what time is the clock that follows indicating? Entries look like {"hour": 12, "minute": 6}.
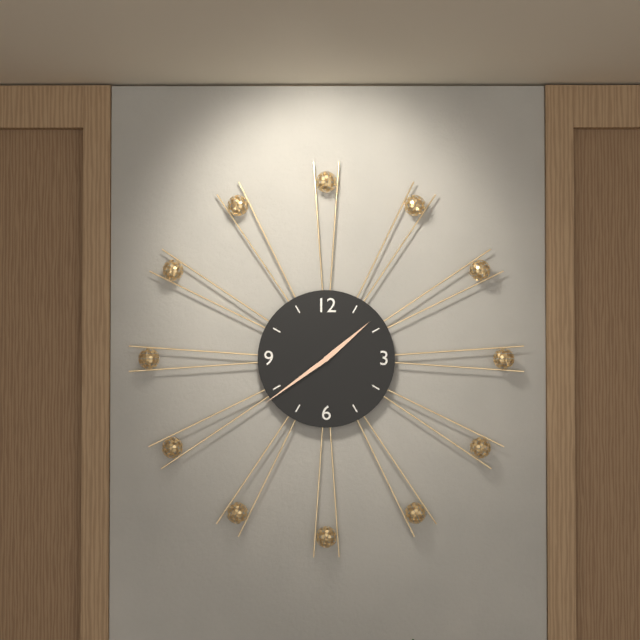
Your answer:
{"hour": 1, "minute": 39}
